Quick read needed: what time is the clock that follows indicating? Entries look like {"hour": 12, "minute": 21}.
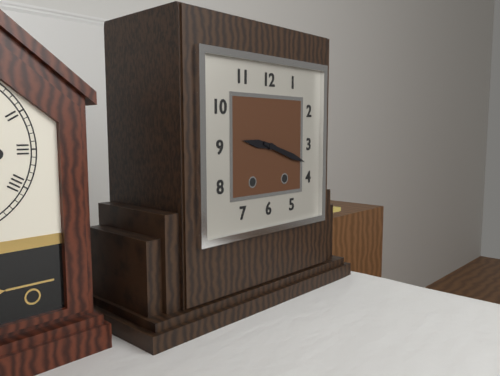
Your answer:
{"hour": 9, "minute": 18}
